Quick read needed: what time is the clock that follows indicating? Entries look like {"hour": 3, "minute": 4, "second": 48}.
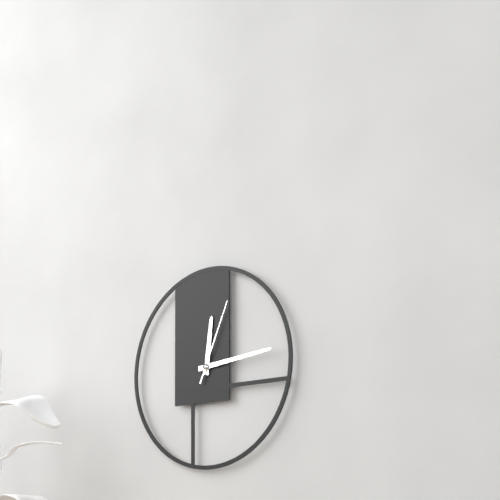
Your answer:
{"hour": 12, "minute": 14, "second": 4}
